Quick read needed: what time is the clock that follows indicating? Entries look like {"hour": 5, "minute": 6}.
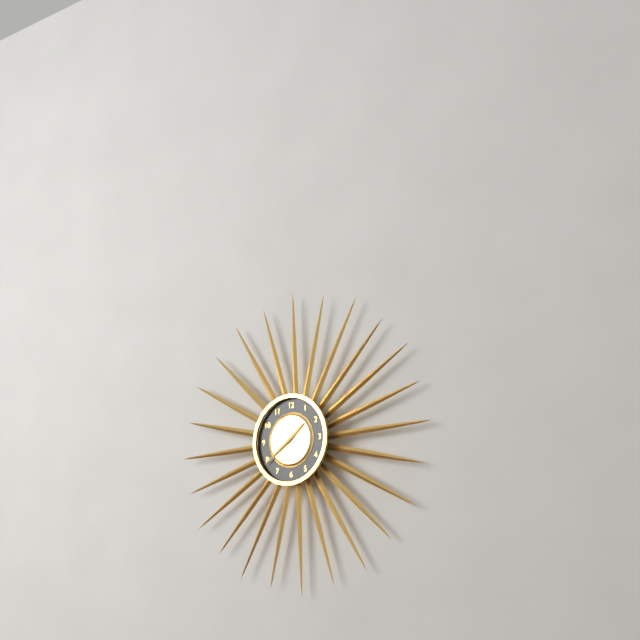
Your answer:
{"hour": 1, "minute": 39}
